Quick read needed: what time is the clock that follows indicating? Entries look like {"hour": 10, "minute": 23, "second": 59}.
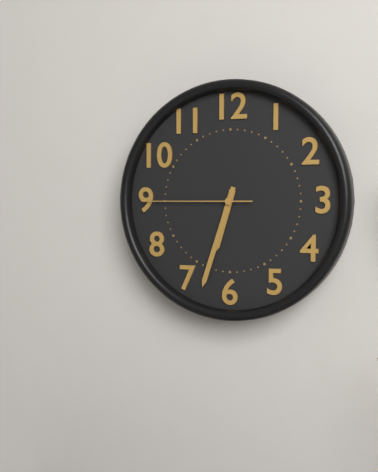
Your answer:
{"hour": 6, "minute": 33, "second": 45}
